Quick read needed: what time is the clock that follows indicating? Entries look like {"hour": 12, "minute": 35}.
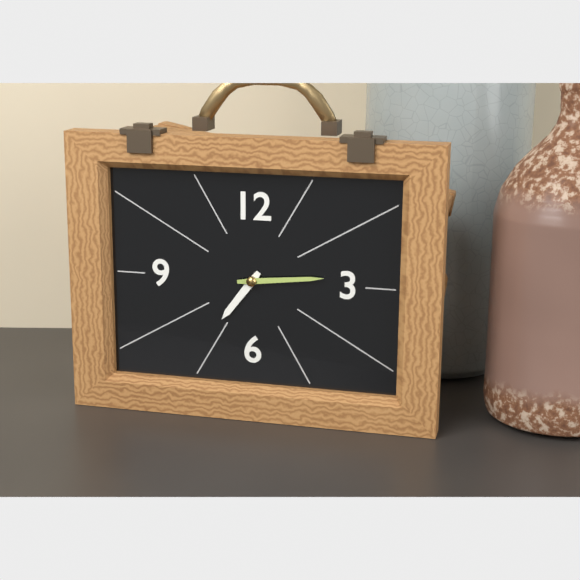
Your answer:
{"hour": 7, "minute": 14}
